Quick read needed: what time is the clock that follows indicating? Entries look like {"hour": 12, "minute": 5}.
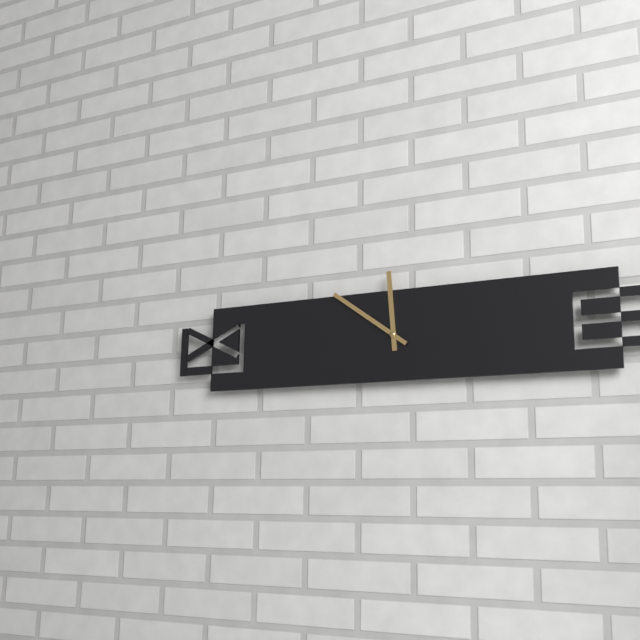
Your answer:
{"hour": 11, "minute": 51}
